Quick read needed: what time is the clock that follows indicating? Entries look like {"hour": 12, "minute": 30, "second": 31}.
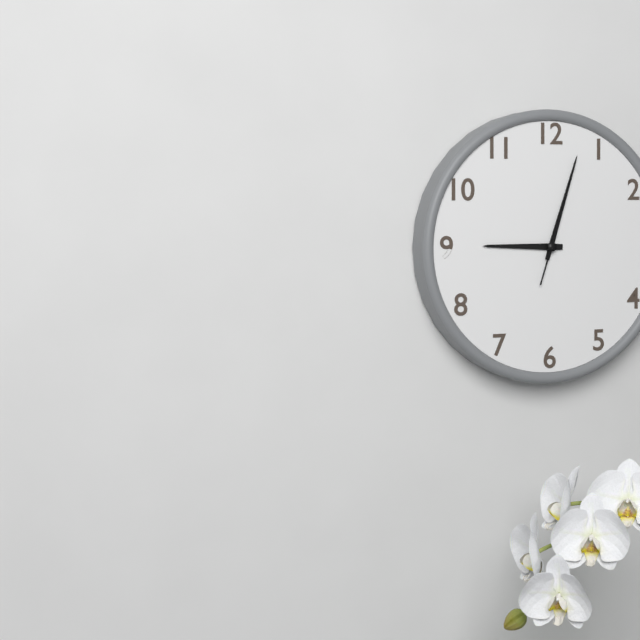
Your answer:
{"hour": 9, "minute": 3, "second": 3}
